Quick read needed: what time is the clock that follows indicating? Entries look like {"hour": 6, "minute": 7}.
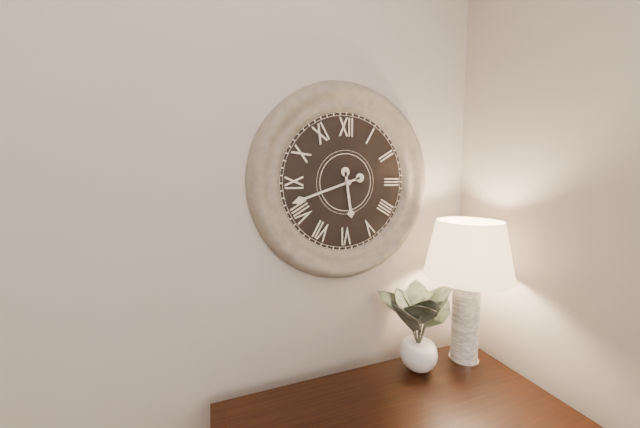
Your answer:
{"hour": 5, "minute": 42}
